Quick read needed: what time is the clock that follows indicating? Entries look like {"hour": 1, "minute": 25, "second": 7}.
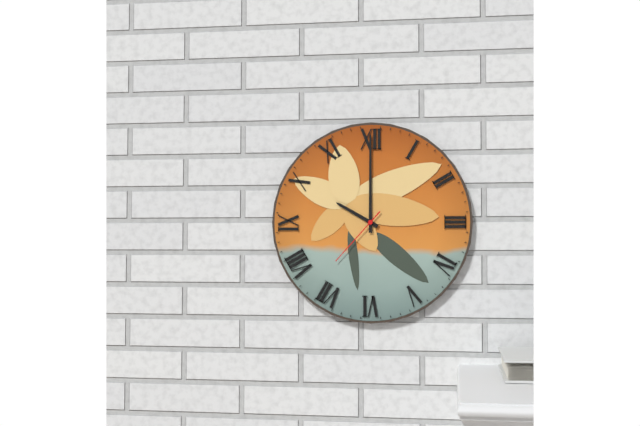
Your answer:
{"hour": 10, "minute": 0, "second": 37}
